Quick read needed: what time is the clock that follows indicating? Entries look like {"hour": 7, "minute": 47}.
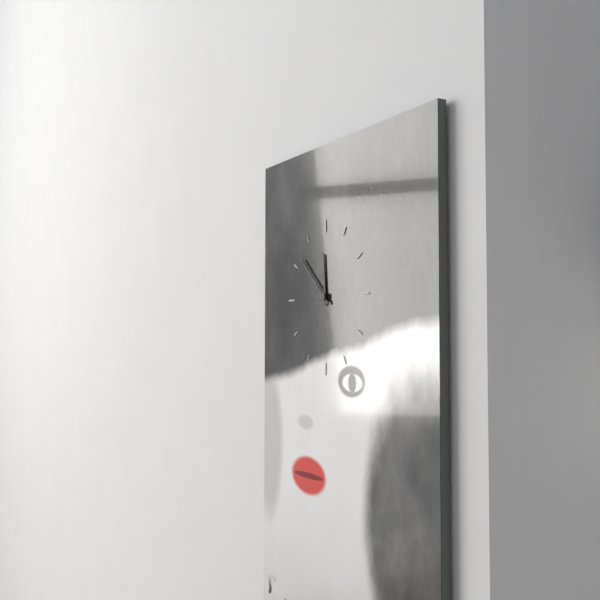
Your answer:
{"hour": 11, "minute": 52}
